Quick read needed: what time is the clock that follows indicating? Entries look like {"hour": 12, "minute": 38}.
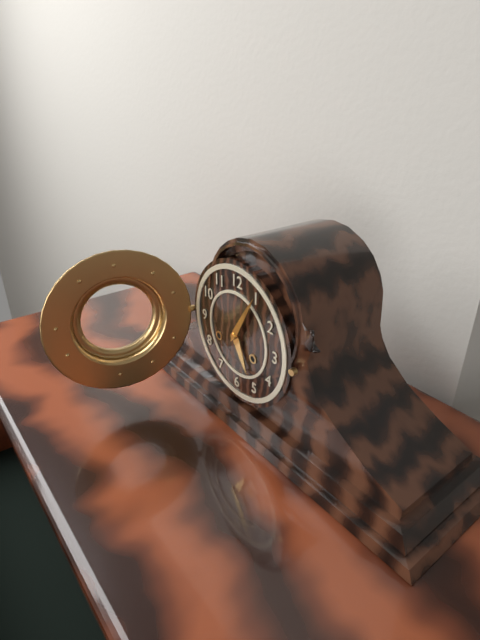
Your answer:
{"hour": 5, "minute": 5}
